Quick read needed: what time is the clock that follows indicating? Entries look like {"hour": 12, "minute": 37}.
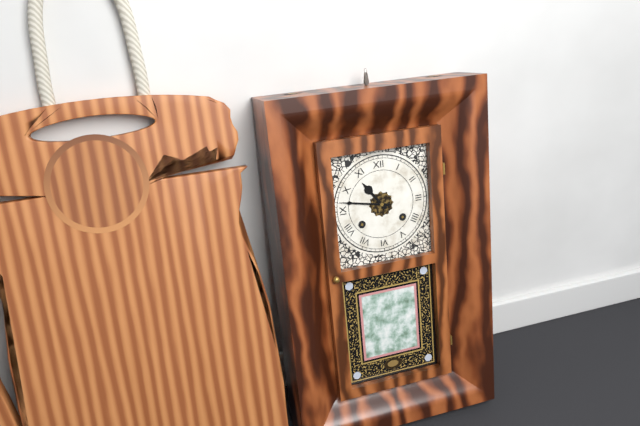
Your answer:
{"hour": 10, "minute": 47}
